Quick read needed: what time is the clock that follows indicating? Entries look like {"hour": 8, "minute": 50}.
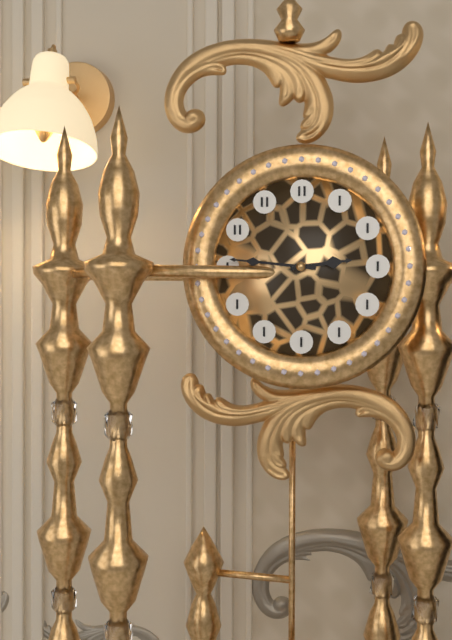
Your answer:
{"hour": 2, "minute": 46}
